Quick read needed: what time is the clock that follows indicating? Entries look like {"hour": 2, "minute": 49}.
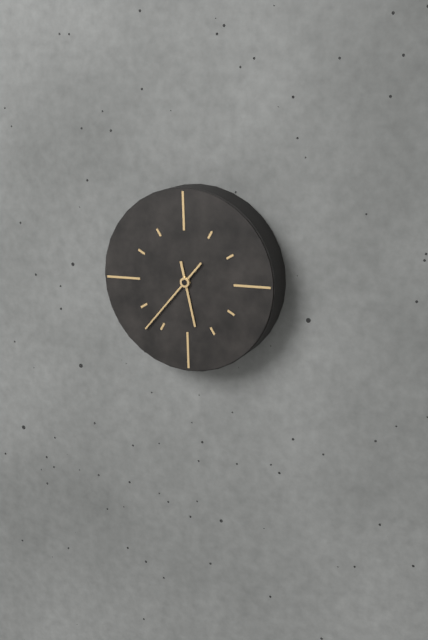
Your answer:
{"hour": 5, "minute": 37}
